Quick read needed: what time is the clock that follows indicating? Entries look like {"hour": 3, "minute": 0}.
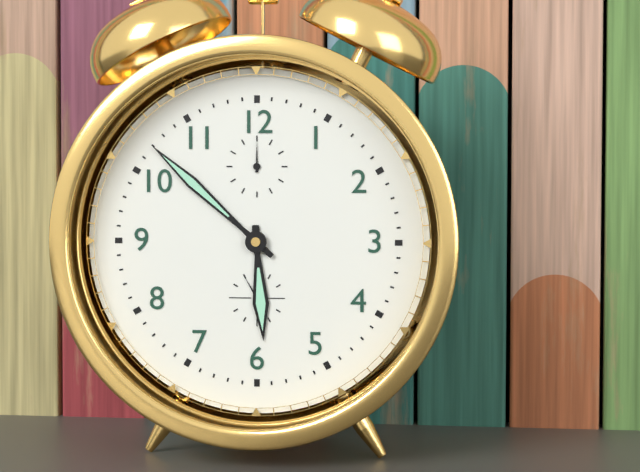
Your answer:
{"hour": 5, "minute": 52}
